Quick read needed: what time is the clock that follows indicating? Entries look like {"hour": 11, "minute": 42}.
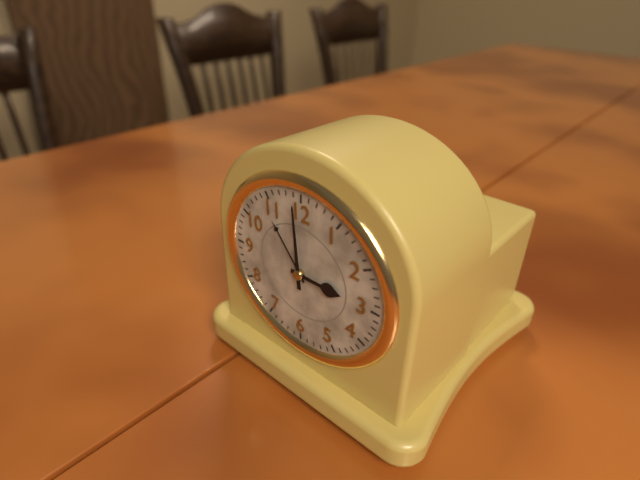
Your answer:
{"hour": 2, "minute": 59}
